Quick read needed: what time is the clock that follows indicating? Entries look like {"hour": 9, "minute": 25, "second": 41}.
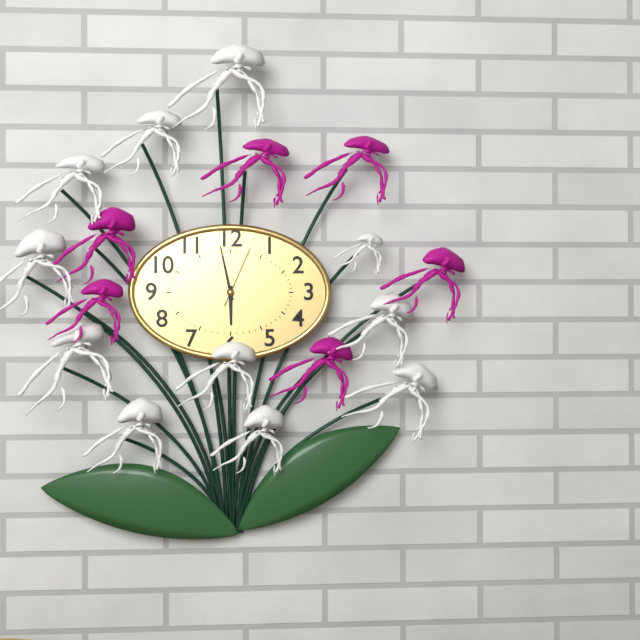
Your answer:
{"hour": 5, "minute": 58, "second": 4}
